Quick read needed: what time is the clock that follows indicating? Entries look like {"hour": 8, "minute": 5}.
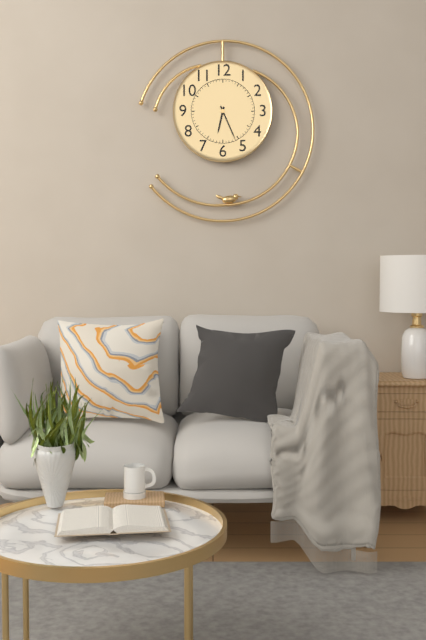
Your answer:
{"hour": 6, "minute": 26}
